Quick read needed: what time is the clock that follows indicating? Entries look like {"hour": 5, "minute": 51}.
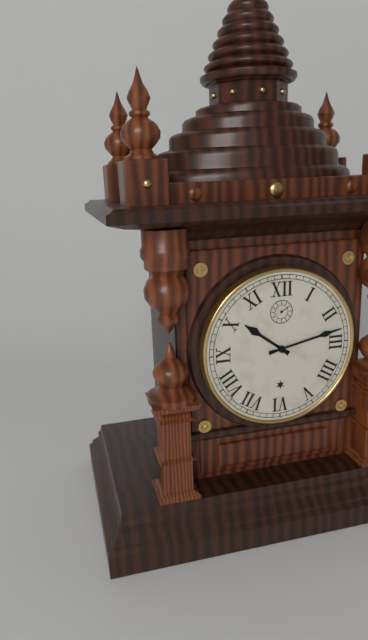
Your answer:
{"hour": 10, "minute": 13}
